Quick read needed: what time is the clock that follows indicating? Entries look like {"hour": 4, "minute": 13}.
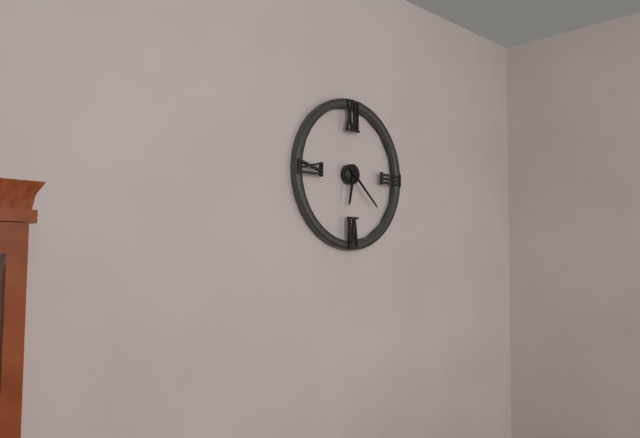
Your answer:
{"hour": 6, "minute": 22}
